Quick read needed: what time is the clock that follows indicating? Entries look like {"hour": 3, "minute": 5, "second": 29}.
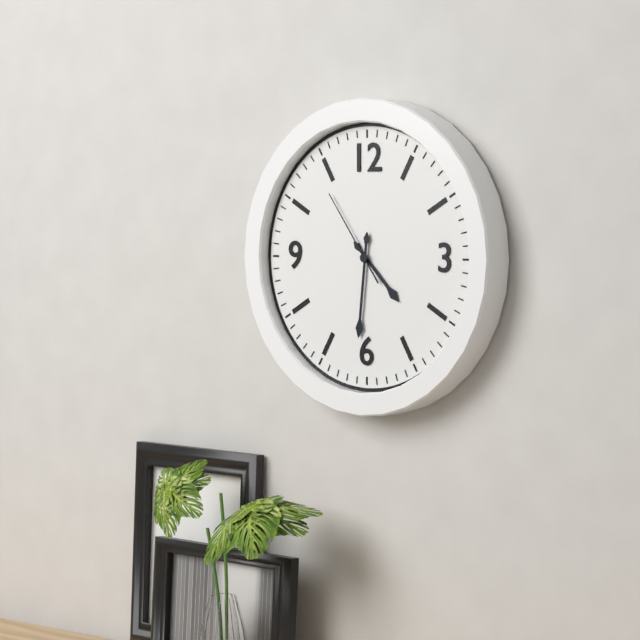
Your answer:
{"hour": 4, "minute": 31, "second": 54}
